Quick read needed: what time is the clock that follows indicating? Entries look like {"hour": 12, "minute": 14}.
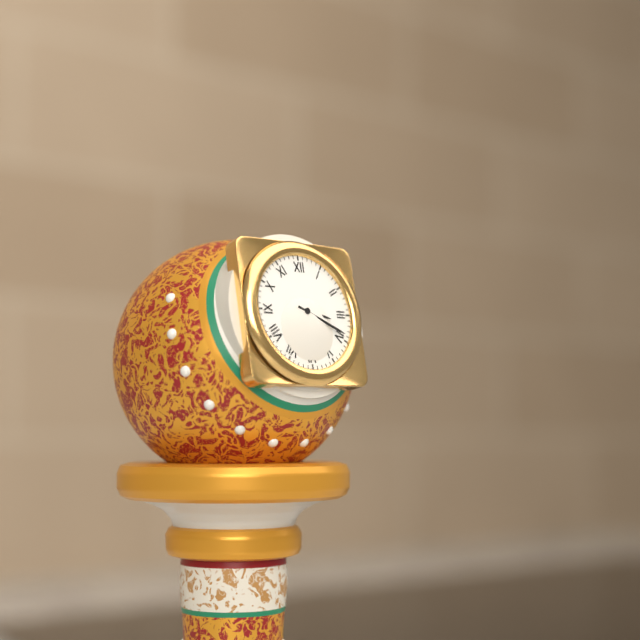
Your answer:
{"hour": 3, "minute": 19}
